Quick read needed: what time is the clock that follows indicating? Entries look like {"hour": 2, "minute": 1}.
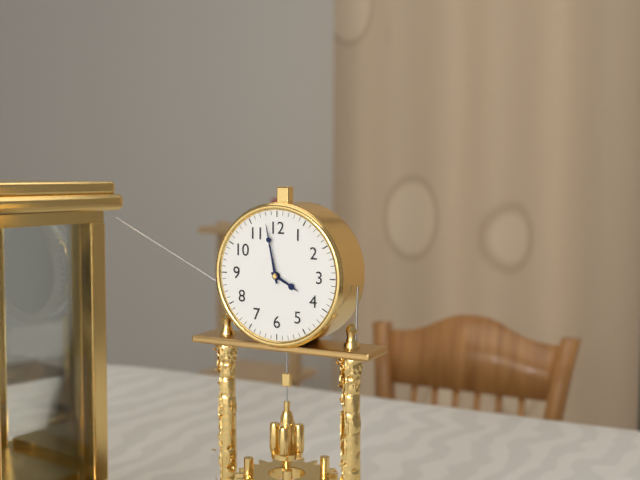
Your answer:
{"hour": 3, "minute": 58}
